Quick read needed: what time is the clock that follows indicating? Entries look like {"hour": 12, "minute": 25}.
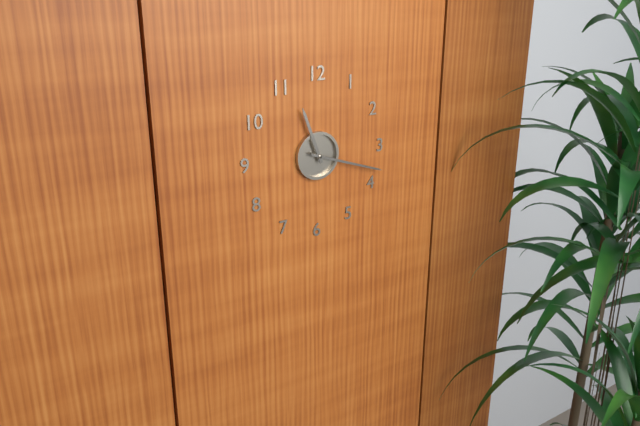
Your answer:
{"hour": 11, "minute": 18}
